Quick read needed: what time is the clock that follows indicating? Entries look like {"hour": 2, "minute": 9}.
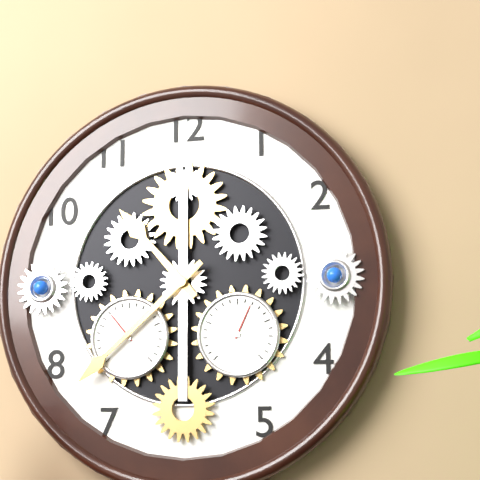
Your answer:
{"hour": 10, "minute": 38}
